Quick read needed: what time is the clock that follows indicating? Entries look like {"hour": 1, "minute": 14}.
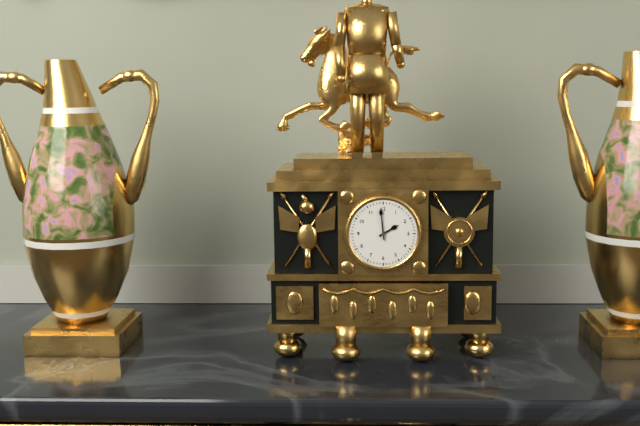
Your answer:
{"hour": 1, "minute": 59}
